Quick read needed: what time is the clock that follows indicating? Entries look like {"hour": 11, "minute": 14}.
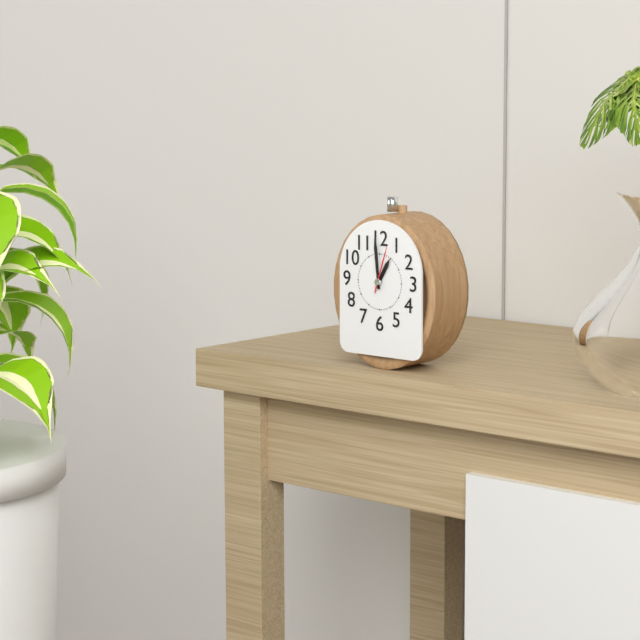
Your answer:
{"hour": 12, "minute": 59}
